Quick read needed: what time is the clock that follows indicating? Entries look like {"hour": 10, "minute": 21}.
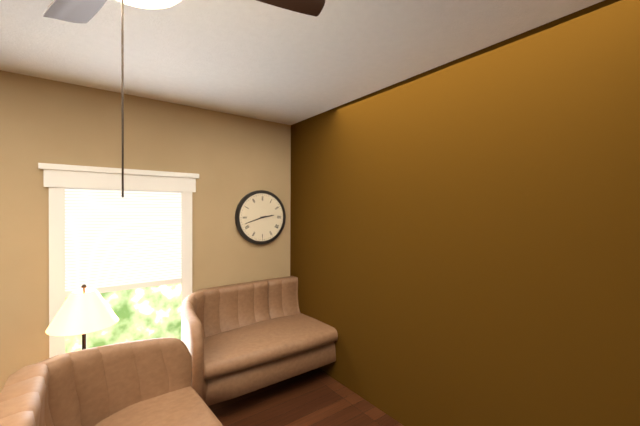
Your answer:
{"hour": 2, "minute": 42}
